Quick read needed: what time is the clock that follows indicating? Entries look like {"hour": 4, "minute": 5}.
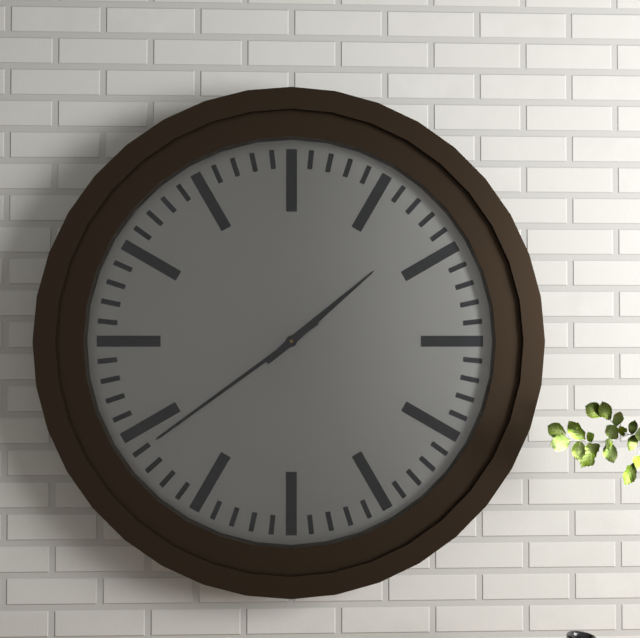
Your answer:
{"hour": 1, "minute": 39}
